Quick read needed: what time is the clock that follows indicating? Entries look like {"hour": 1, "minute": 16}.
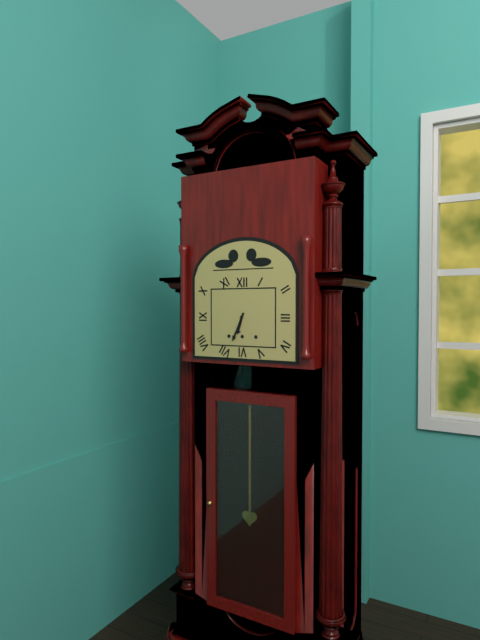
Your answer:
{"hour": 6, "minute": 34}
